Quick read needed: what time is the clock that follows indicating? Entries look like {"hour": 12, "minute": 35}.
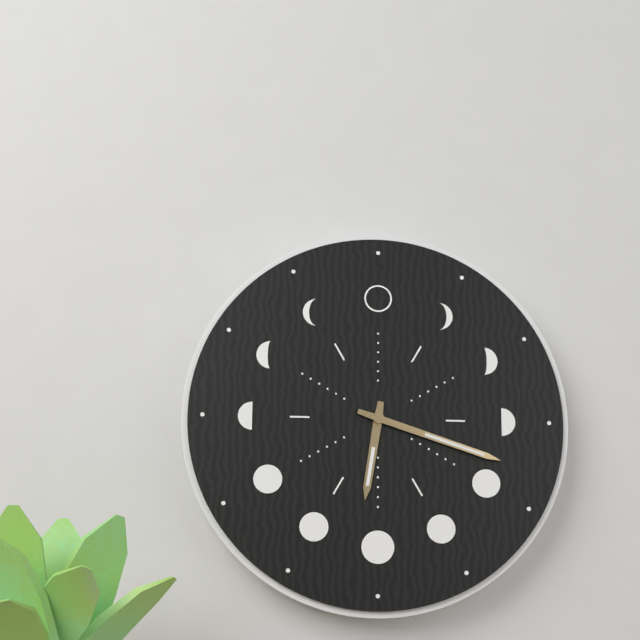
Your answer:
{"hour": 6, "minute": 18}
